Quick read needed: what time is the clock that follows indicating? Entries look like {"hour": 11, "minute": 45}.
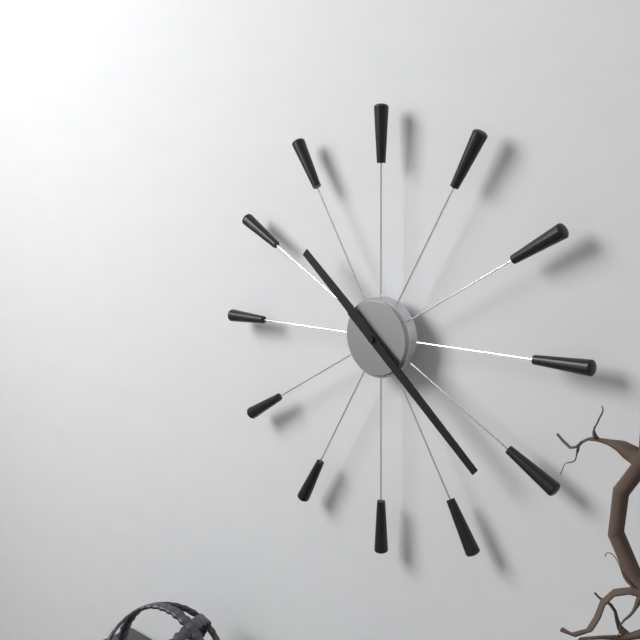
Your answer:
{"hour": 10, "minute": 22}
